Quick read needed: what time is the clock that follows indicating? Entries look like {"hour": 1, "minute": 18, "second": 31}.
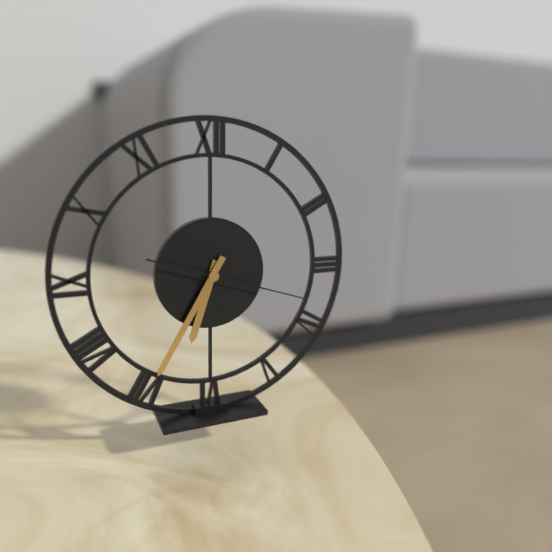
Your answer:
{"hour": 6, "minute": 35, "second": 18}
